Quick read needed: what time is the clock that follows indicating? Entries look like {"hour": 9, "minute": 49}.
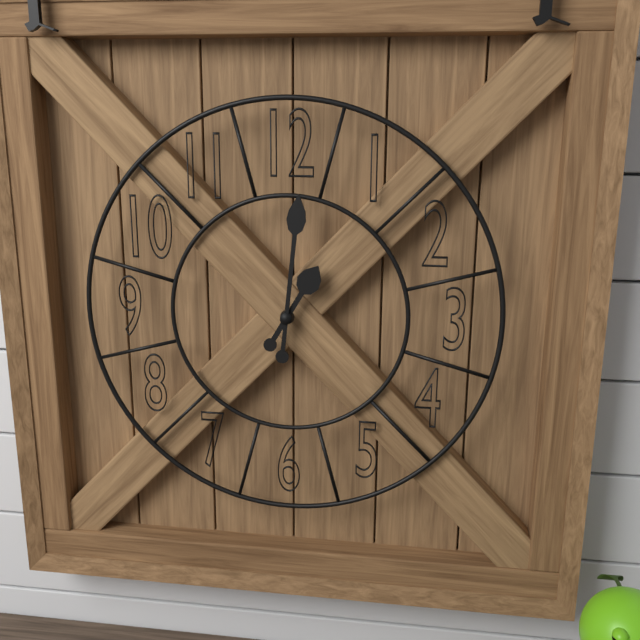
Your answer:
{"hour": 1, "minute": 1}
